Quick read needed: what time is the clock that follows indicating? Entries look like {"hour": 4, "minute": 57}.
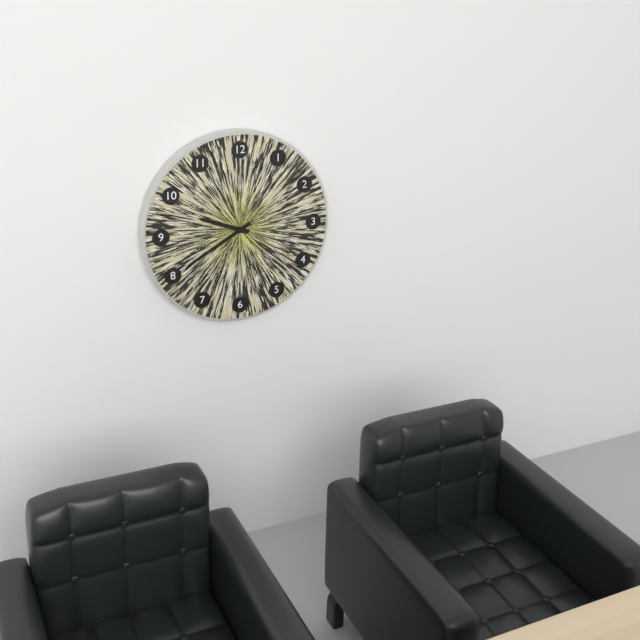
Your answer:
{"hour": 9, "minute": 40}
